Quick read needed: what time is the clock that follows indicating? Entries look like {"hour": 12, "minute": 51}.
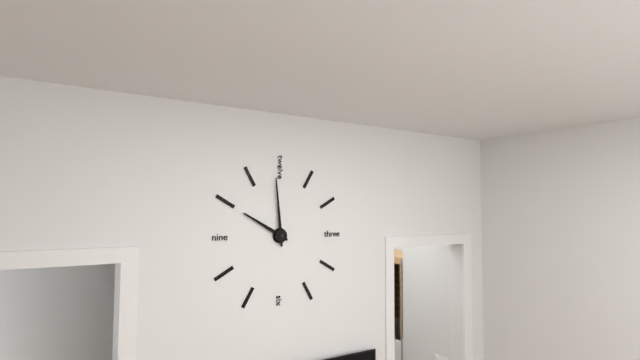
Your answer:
{"hour": 9, "minute": 59}
